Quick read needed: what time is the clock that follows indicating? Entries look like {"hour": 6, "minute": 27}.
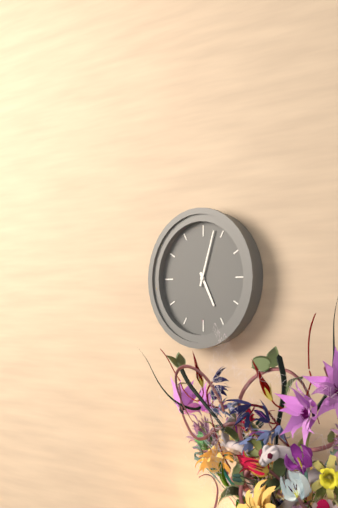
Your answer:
{"hour": 5, "minute": 3}
